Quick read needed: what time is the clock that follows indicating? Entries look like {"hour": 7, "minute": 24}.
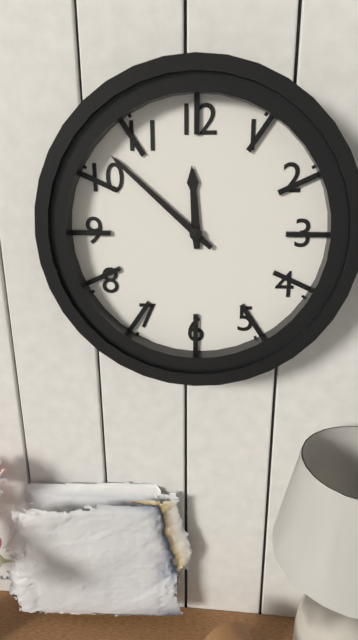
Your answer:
{"hour": 11, "minute": 52}
